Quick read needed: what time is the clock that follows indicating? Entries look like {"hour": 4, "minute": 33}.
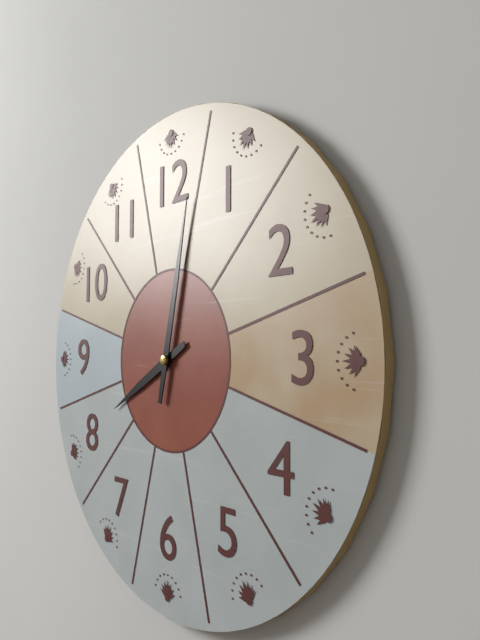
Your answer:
{"hour": 8, "minute": 2}
